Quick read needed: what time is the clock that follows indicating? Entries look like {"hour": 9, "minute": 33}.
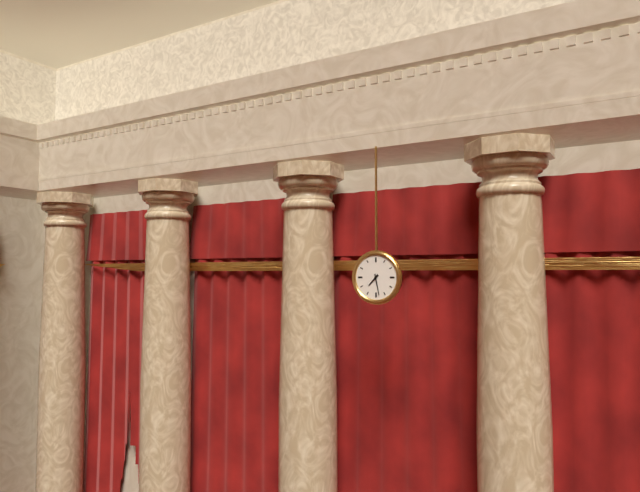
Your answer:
{"hour": 7, "minute": 28}
